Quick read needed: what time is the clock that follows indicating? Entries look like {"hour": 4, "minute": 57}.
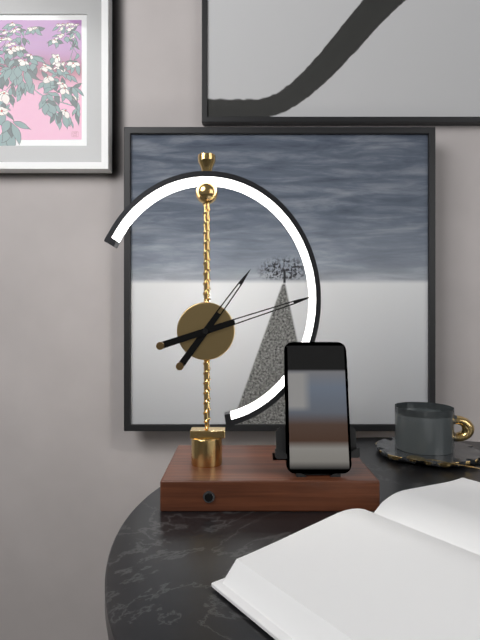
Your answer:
{"hour": 1, "minute": 12}
